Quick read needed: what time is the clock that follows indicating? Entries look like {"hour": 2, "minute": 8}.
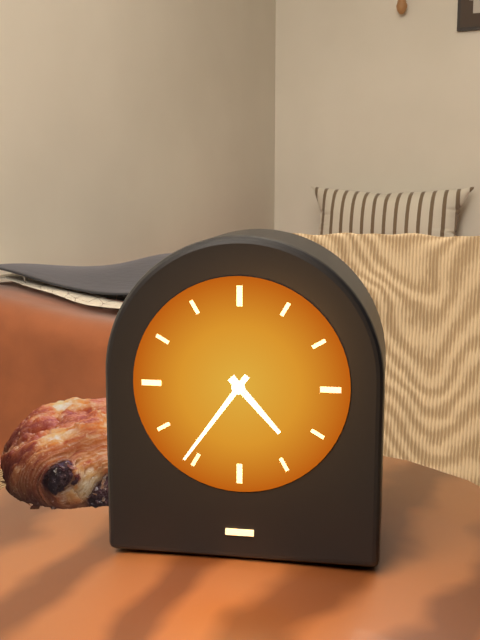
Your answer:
{"hour": 4, "minute": 36}
